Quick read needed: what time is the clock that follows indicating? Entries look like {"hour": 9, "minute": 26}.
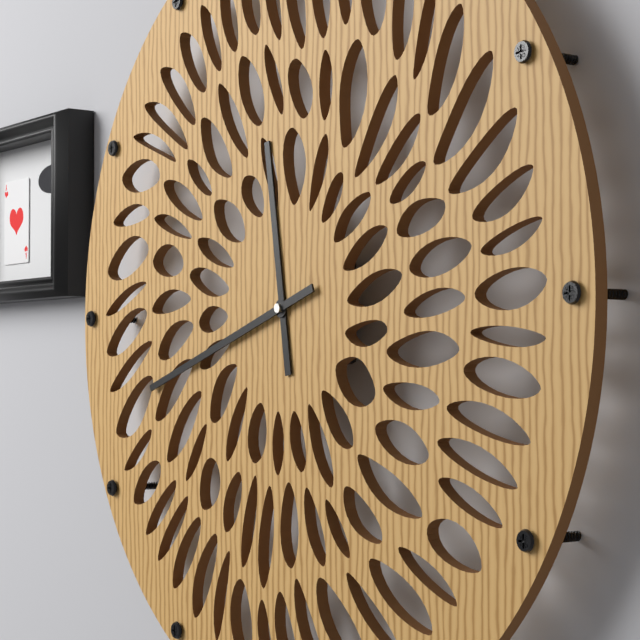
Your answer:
{"hour": 11, "minute": 42}
